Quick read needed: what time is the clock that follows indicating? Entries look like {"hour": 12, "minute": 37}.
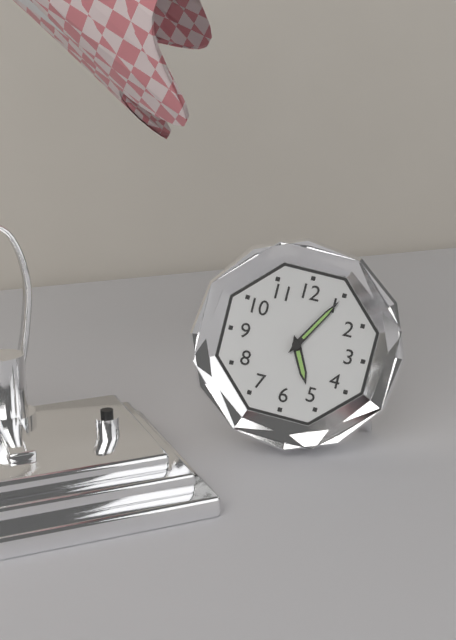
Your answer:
{"hour": 5, "minute": 5}
